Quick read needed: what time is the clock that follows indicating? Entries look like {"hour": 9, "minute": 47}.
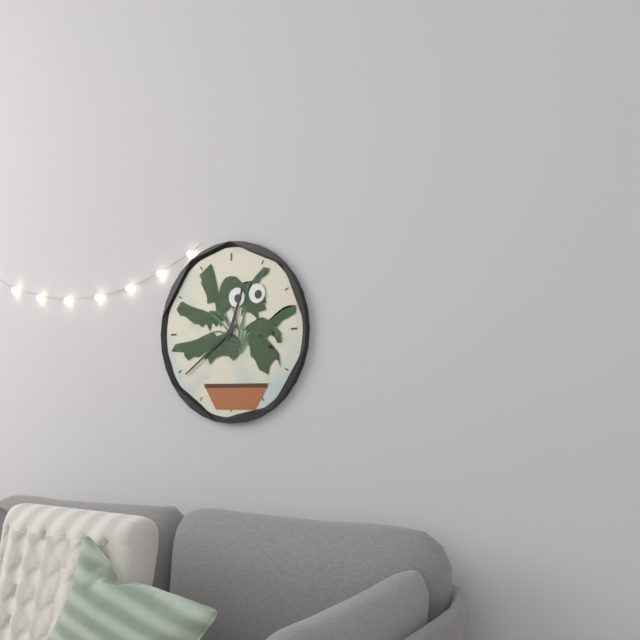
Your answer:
{"hour": 12, "minute": 39}
